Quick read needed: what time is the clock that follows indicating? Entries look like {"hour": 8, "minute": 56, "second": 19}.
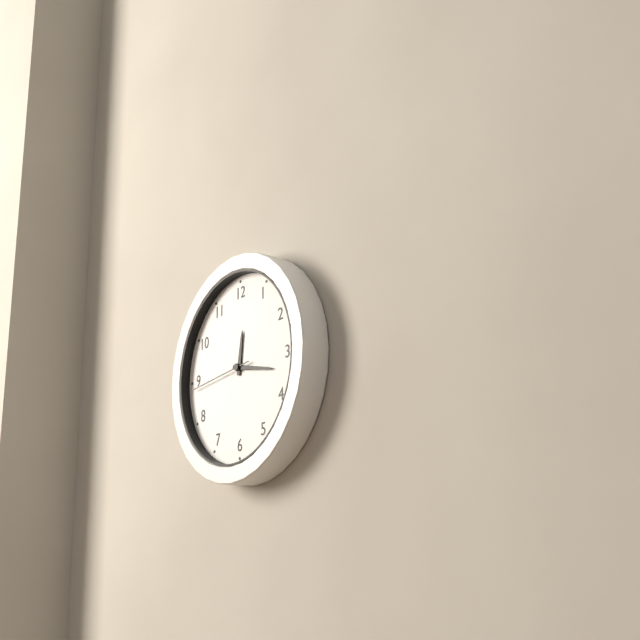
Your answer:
{"hour": 12, "minute": 17, "second": 44}
